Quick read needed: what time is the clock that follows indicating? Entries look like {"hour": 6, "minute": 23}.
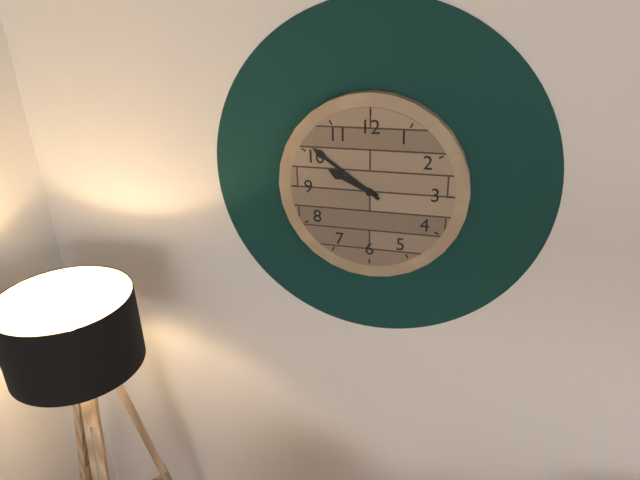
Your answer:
{"hour": 9, "minute": 51}
